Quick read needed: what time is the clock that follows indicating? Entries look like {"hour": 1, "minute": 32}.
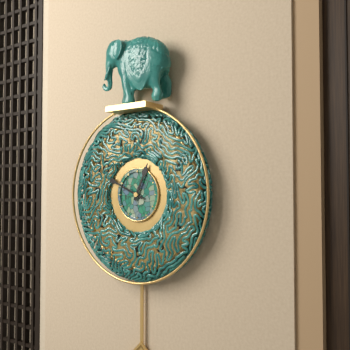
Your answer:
{"hour": 12, "minute": 49}
